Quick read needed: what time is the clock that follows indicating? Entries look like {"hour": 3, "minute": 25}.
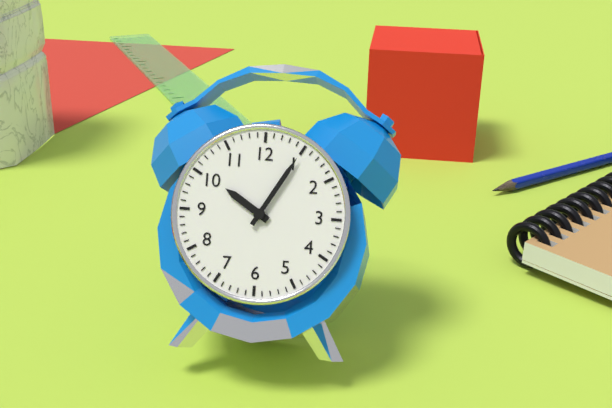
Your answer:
{"hour": 10, "minute": 5}
